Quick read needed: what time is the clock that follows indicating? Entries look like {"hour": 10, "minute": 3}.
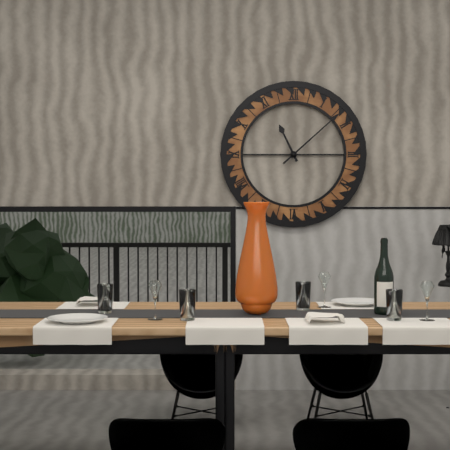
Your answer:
{"hour": 11, "minute": 8}
